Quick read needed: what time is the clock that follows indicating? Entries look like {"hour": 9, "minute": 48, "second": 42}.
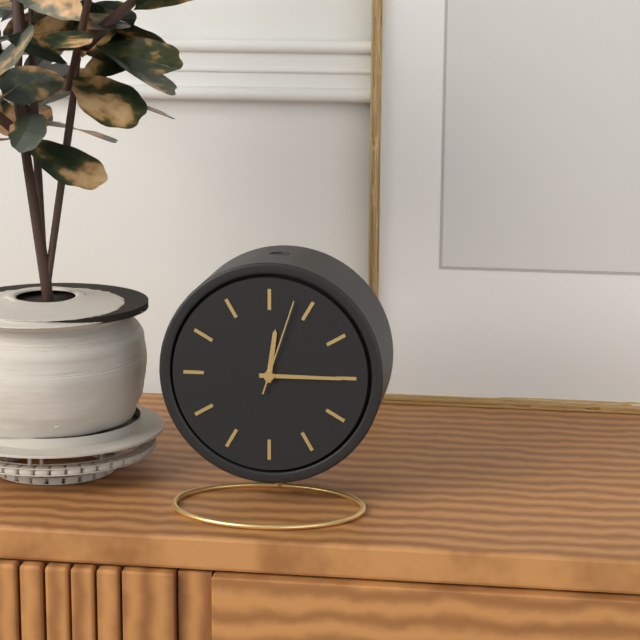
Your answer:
{"hour": 12, "minute": 15, "second": 3}
